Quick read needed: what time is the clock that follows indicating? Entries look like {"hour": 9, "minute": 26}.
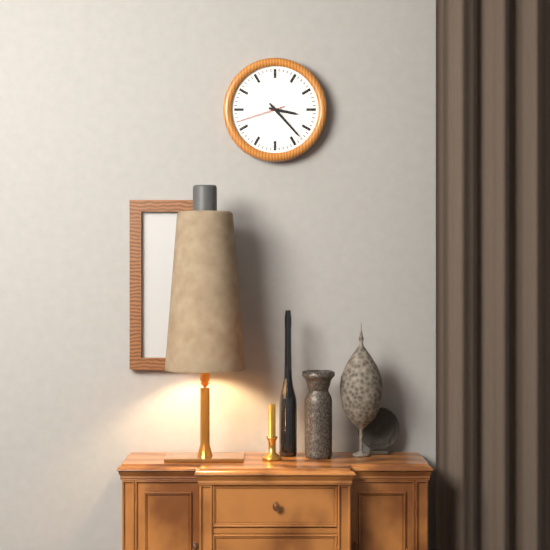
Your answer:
{"hour": 3, "minute": 23}
